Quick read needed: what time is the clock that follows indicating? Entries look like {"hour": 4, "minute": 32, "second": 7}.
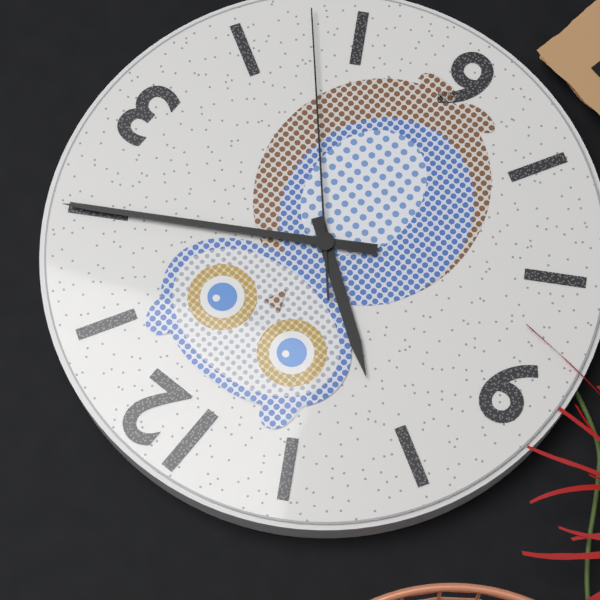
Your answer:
{"hour": 10, "minute": 10, "second": 23}
